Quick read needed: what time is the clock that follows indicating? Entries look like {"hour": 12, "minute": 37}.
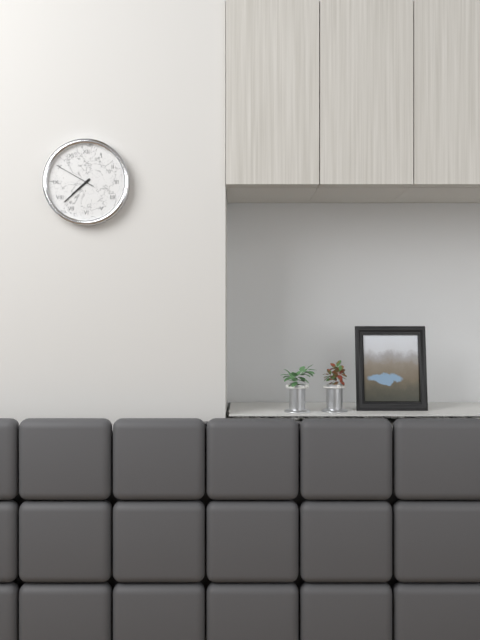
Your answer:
{"hour": 7, "minute": 38}
